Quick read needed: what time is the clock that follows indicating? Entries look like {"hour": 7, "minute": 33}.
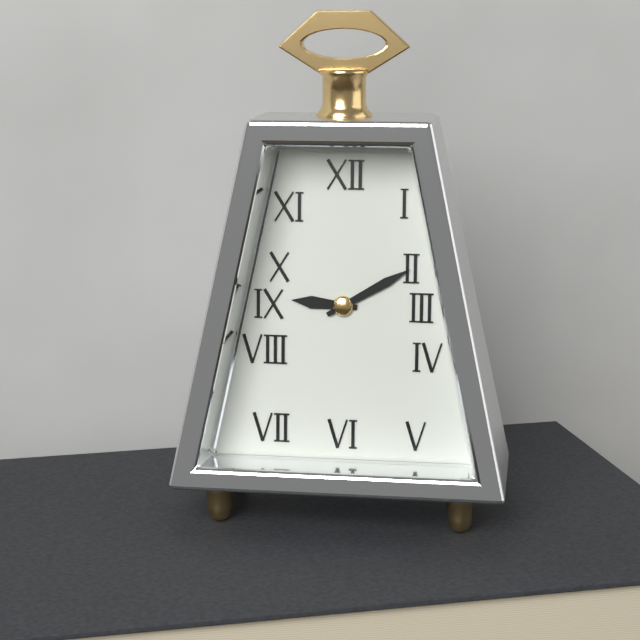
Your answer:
{"hour": 9, "minute": 10}
